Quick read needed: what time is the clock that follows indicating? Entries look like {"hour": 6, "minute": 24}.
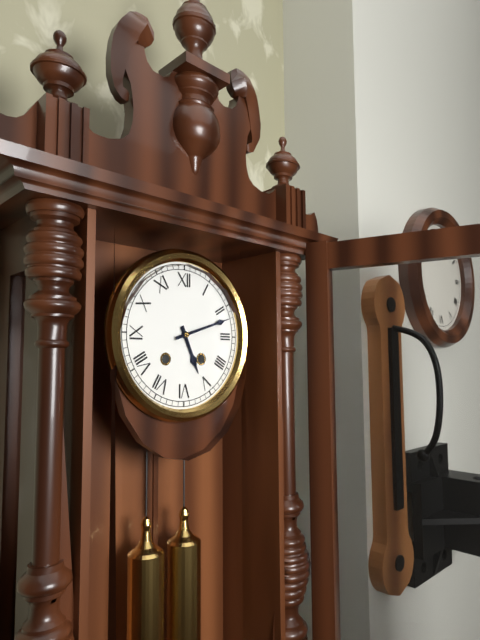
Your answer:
{"hour": 5, "minute": 12}
